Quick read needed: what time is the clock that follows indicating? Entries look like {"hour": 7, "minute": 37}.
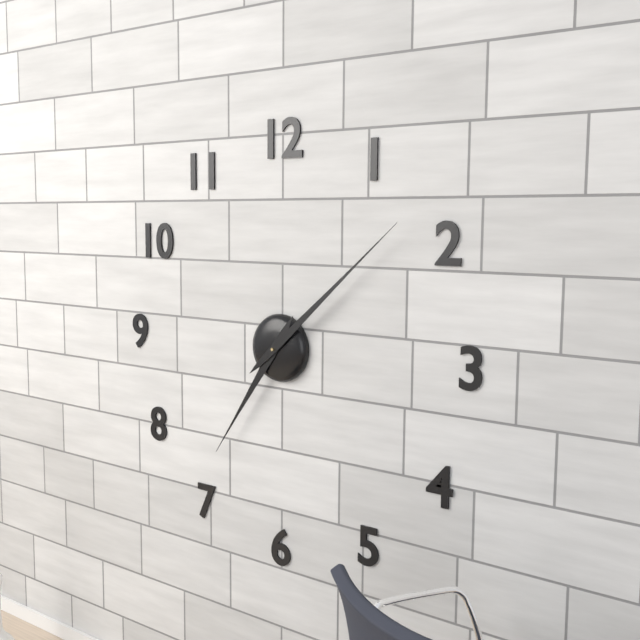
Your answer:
{"hour": 7, "minute": 8}
